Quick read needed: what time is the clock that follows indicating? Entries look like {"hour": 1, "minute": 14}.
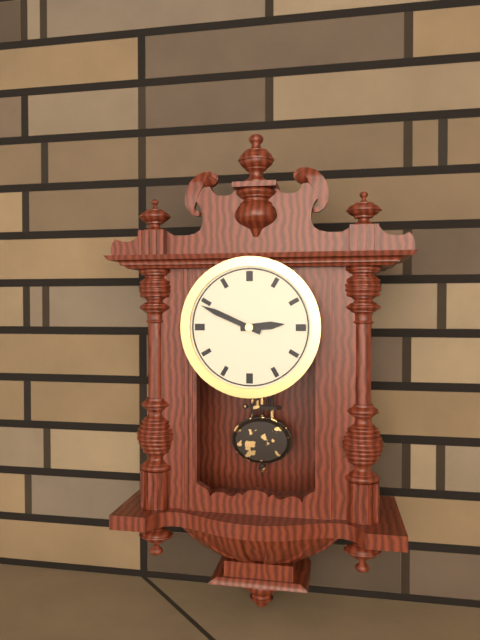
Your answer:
{"hour": 2, "minute": 49}
